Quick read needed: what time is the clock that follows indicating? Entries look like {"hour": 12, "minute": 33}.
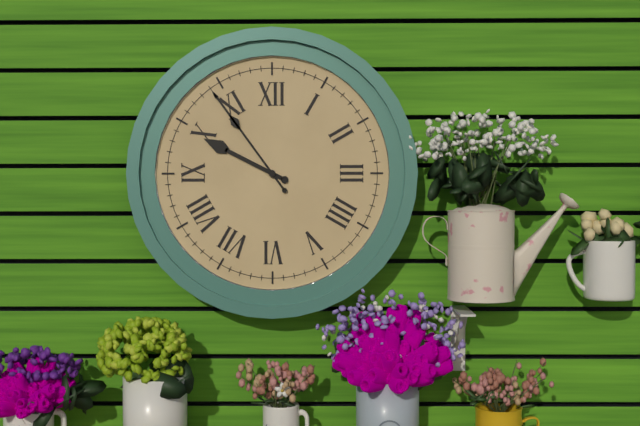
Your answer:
{"hour": 9, "minute": 54}
